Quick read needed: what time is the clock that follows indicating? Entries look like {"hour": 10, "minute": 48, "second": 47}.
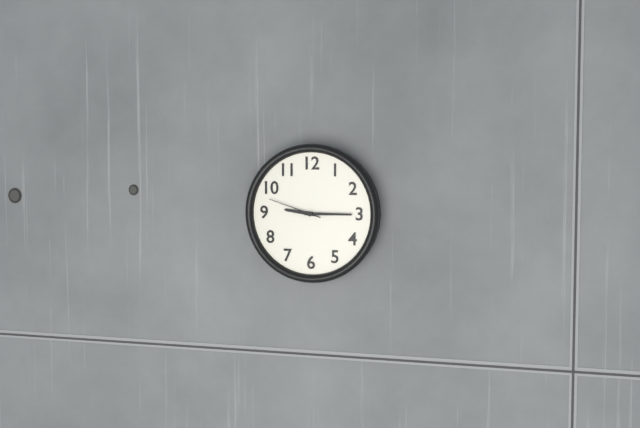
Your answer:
{"hour": 9, "minute": 15, "second": 48}
